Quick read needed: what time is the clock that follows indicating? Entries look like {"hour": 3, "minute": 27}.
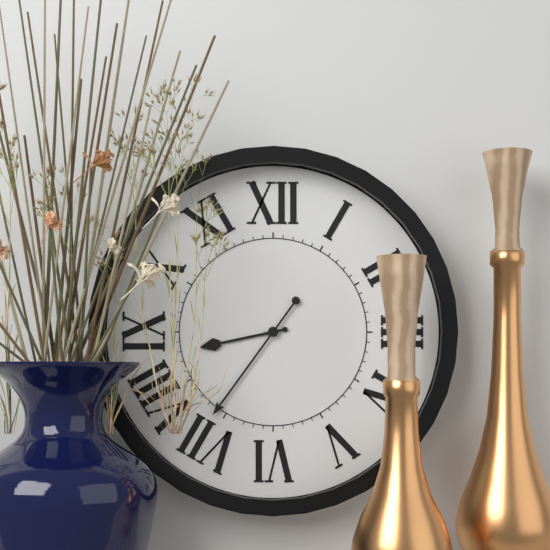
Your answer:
{"hour": 8, "minute": 36}
